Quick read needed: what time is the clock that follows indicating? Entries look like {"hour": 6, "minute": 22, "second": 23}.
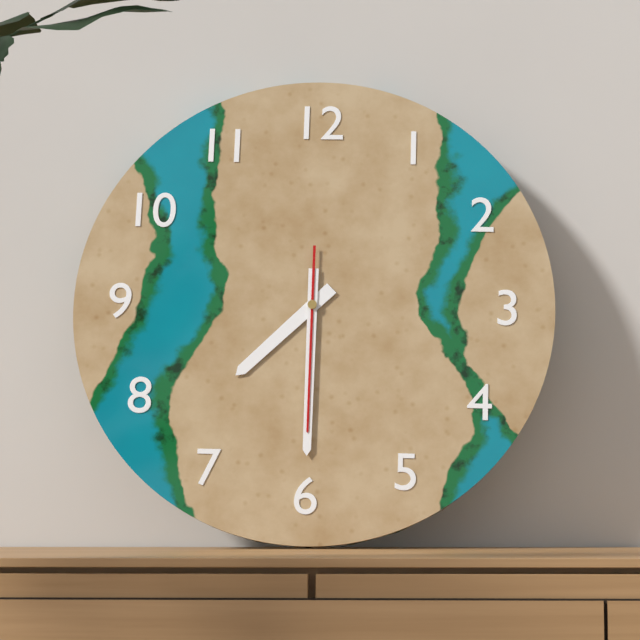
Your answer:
{"hour": 7, "minute": 30, "second": 30}
